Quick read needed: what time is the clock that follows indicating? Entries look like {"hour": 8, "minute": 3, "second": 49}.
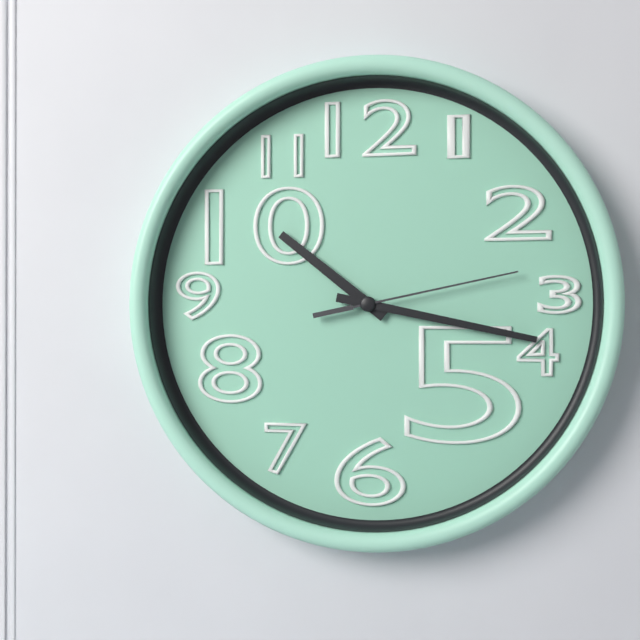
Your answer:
{"hour": 10, "minute": 17, "second": 13}
